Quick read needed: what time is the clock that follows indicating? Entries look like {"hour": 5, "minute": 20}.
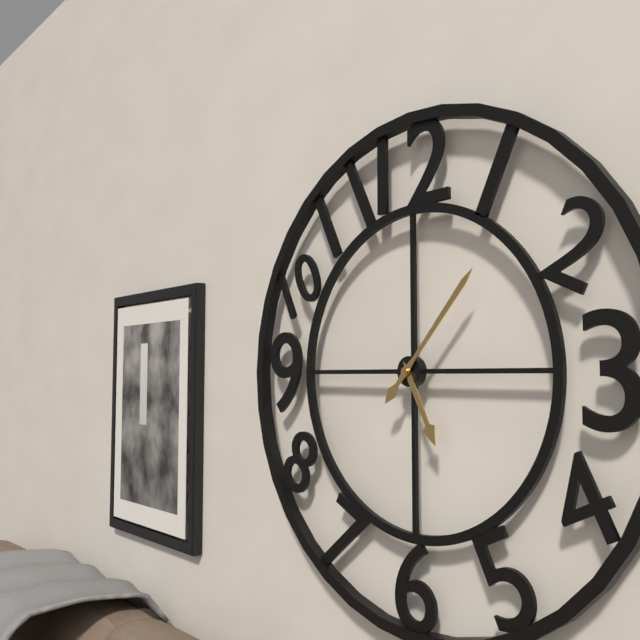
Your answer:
{"hour": 5, "minute": 7}
